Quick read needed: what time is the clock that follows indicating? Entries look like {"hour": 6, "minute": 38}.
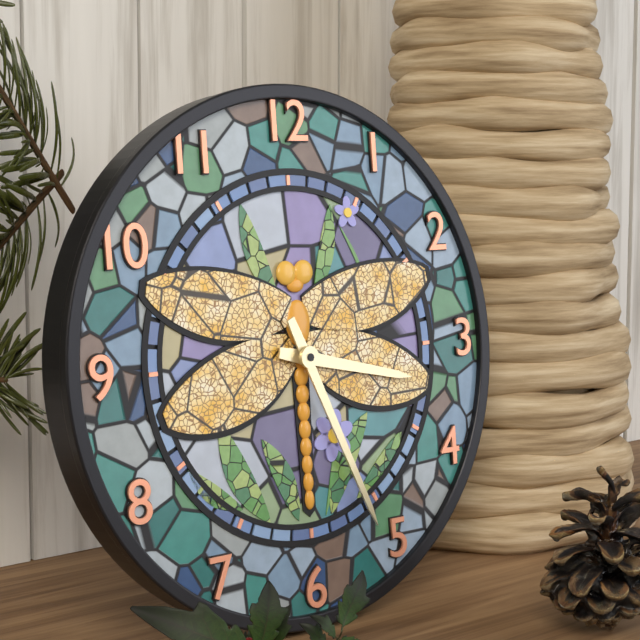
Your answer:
{"hour": 3, "minute": 26}
